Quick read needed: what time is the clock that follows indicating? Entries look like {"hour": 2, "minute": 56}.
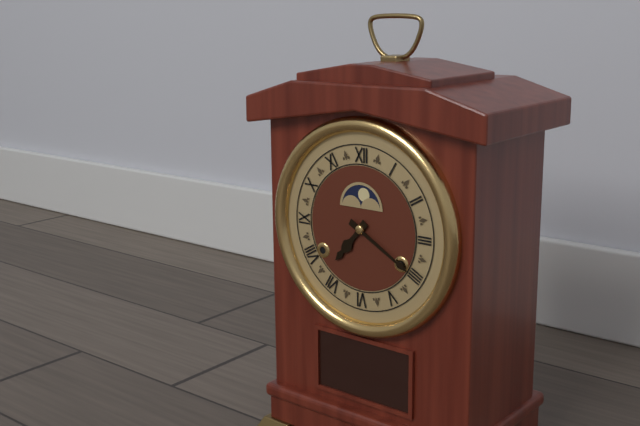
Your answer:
{"hour": 7, "minute": 20}
